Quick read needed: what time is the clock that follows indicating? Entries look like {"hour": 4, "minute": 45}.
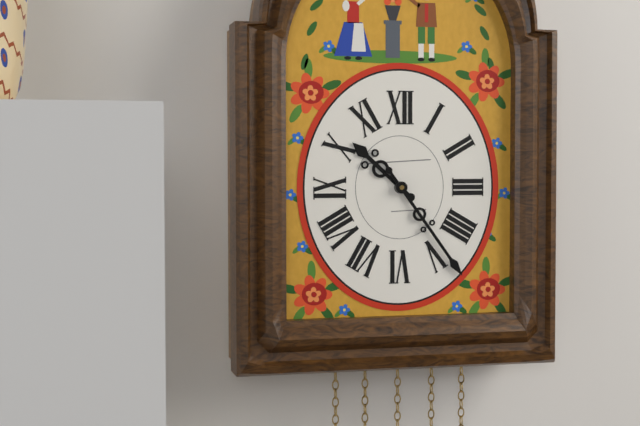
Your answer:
{"hour": 10, "minute": 24}
